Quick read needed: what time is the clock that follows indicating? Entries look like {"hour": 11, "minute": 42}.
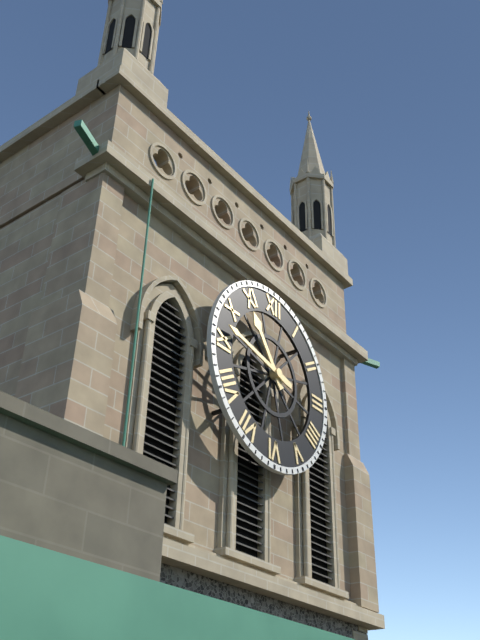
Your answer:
{"hour": 10, "minute": 47}
